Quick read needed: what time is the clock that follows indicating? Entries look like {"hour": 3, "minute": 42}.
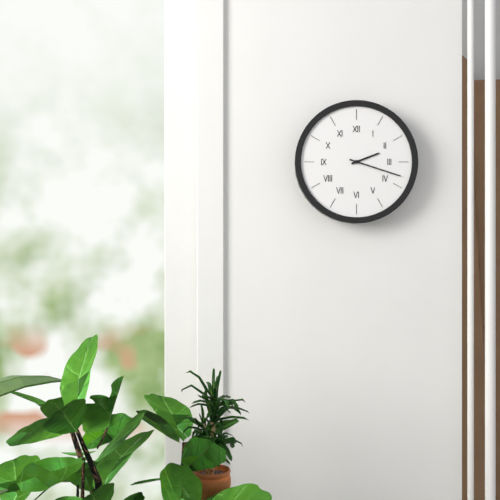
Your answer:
{"hour": 2, "minute": 18}
